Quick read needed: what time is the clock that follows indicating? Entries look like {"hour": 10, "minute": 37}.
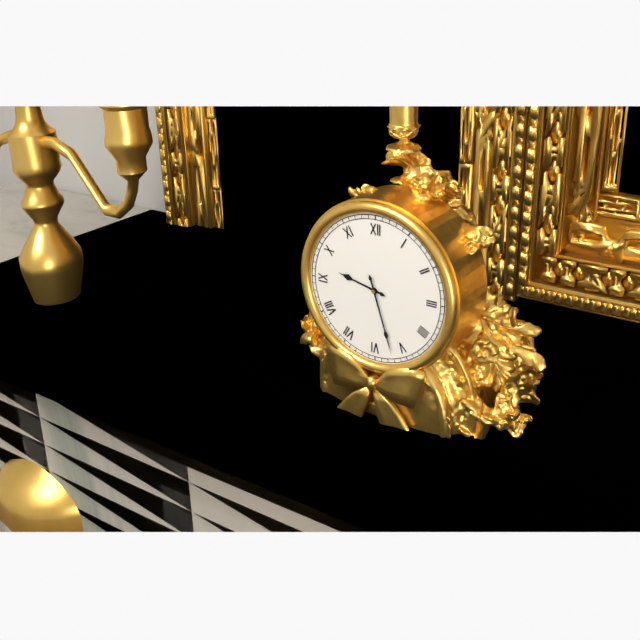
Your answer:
{"hour": 9, "minute": 27}
